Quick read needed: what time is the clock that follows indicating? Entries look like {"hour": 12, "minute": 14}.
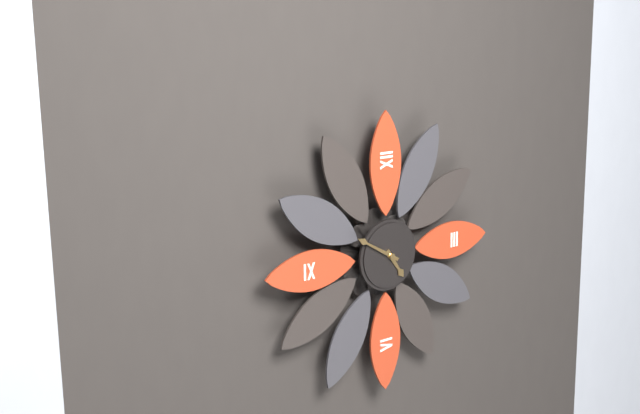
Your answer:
{"hour": 4, "minute": 50}
